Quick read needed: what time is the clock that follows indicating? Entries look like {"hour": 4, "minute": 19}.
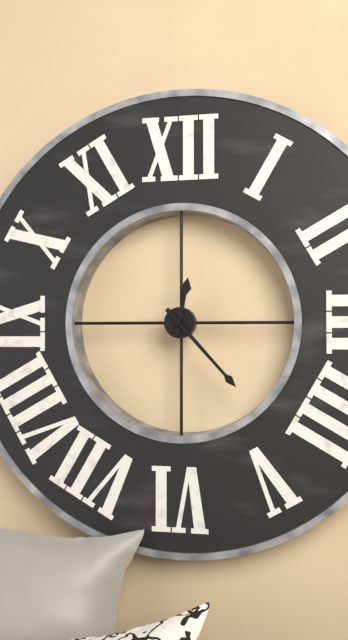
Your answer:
{"hour": 12, "minute": 23}
